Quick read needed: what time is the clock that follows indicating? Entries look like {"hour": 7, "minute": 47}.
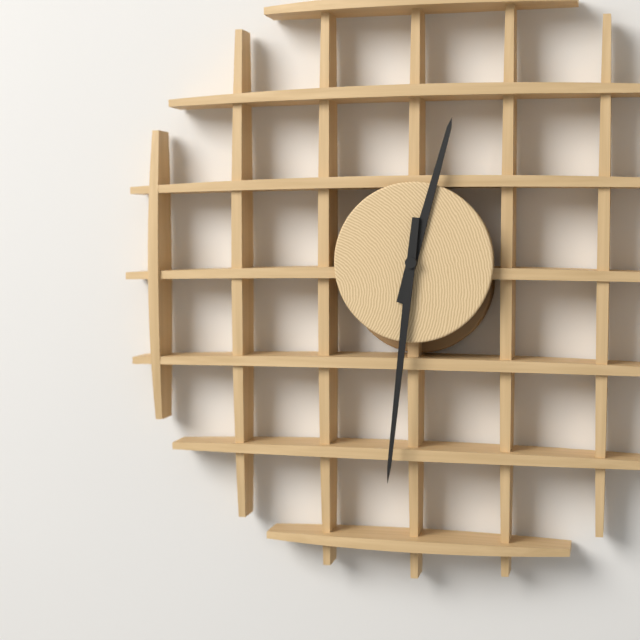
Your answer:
{"hour": 12, "minute": 31}
